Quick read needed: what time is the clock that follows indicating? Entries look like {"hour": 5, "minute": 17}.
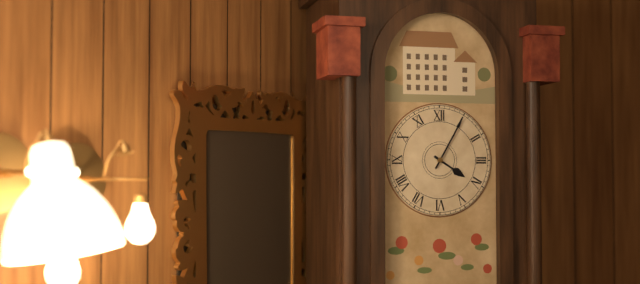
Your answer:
{"hour": 4, "minute": 5}
